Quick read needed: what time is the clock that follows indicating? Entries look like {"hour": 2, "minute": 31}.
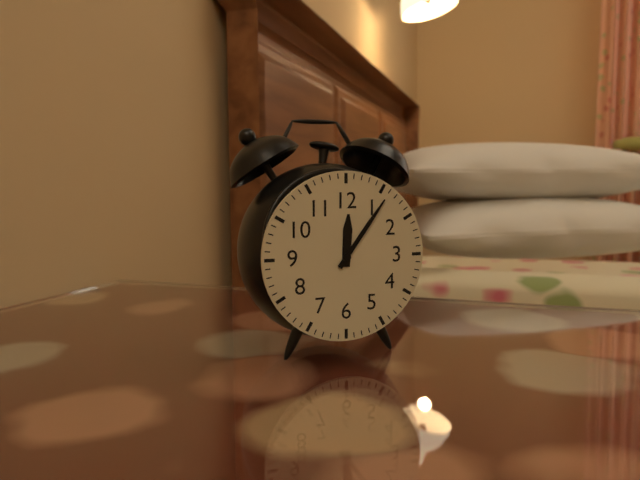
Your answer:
{"hour": 12, "minute": 6}
